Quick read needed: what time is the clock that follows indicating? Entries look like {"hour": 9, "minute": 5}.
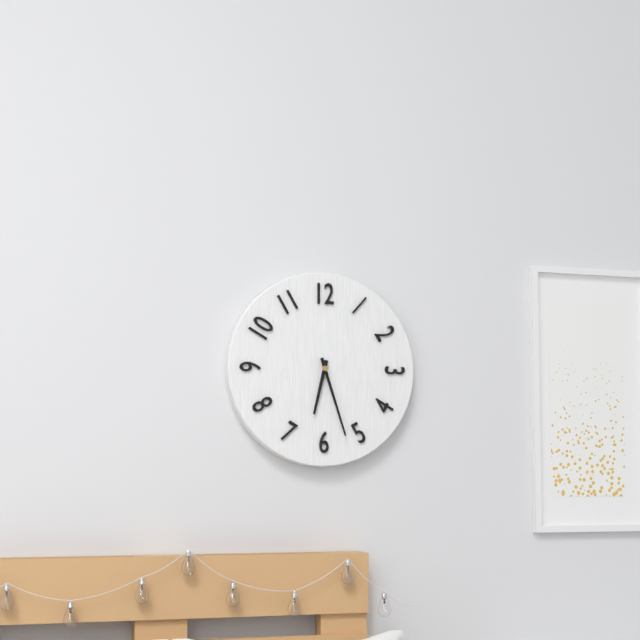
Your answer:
{"hour": 6, "minute": 27}
